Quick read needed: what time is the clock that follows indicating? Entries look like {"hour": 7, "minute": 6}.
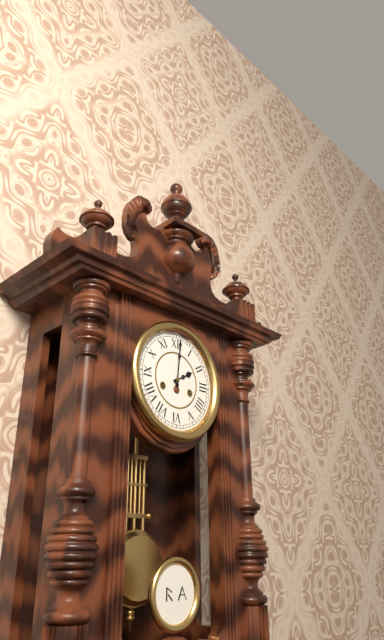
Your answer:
{"hour": 2, "minute": 1}
